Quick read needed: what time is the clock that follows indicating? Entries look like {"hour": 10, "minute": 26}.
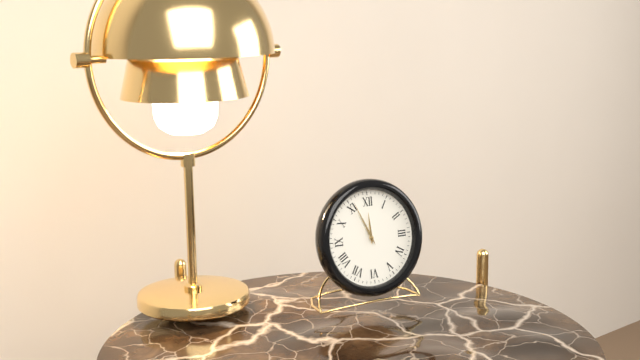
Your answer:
{"hour": 11, "minute": 56}
